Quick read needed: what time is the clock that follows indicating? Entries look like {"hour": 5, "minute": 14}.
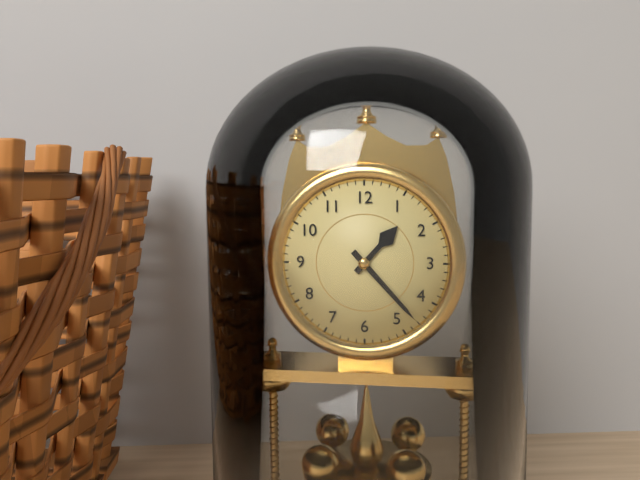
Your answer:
{"hour": 1, "minute": 23}
